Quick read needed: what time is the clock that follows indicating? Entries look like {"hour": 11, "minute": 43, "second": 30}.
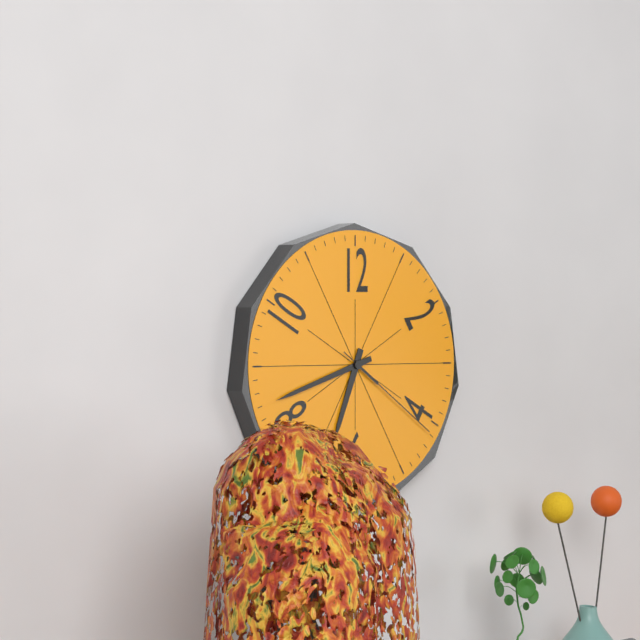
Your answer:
{"hour": 6, "minute": 42, "second": 21}
